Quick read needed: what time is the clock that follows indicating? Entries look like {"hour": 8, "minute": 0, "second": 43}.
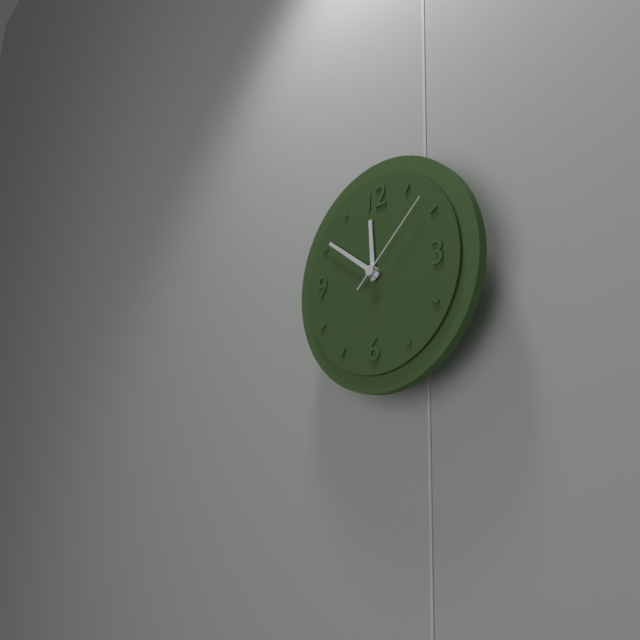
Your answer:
{"hour": 11, "minute": 51, "second": 8}
